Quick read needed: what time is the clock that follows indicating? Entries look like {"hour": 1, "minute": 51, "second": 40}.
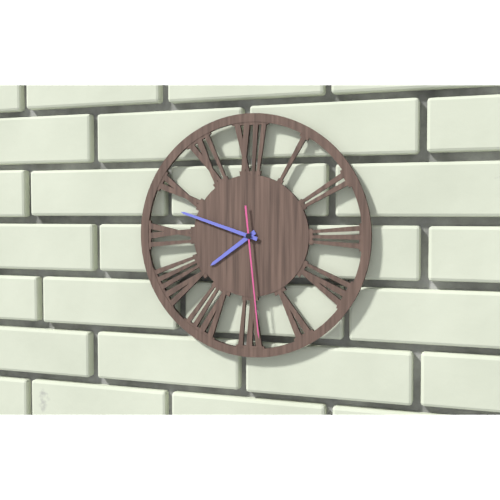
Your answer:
{"hour": 7, "minute": 48, "second": 29}
